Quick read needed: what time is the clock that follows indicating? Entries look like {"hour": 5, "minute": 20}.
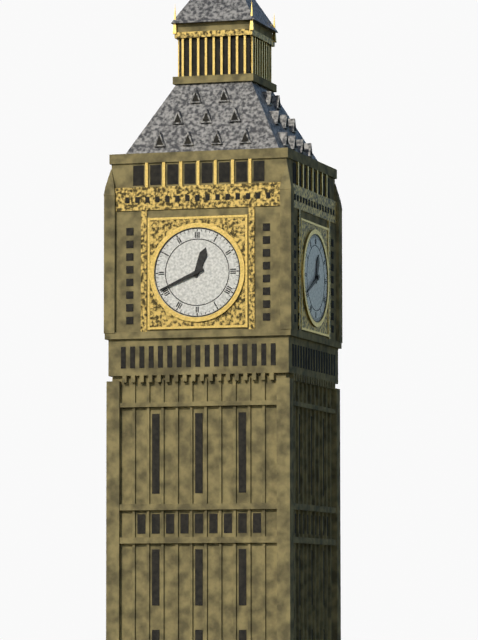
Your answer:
{"hour": 12, "minute": 41}
